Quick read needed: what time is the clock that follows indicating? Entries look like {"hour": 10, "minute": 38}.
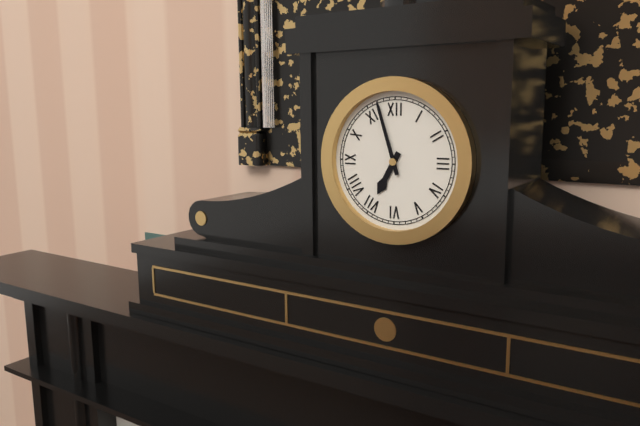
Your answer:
{"hour": 6, "minute": 57}
